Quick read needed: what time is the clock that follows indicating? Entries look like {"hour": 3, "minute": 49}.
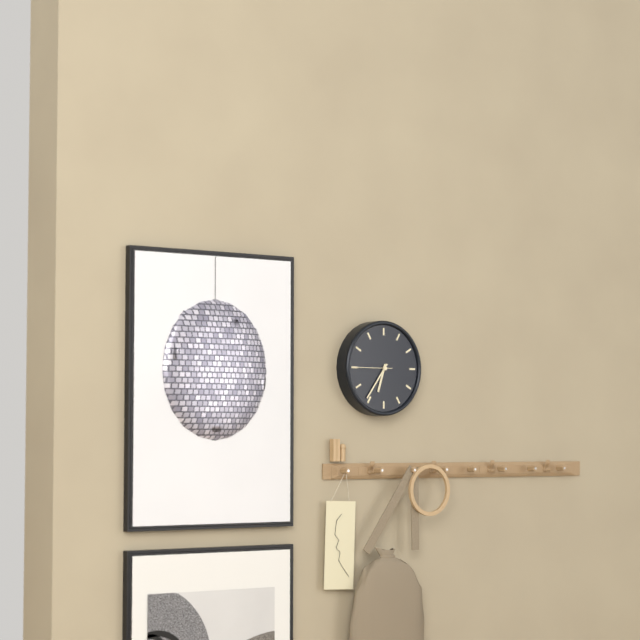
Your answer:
{"hour": 6, "minute": 36}
